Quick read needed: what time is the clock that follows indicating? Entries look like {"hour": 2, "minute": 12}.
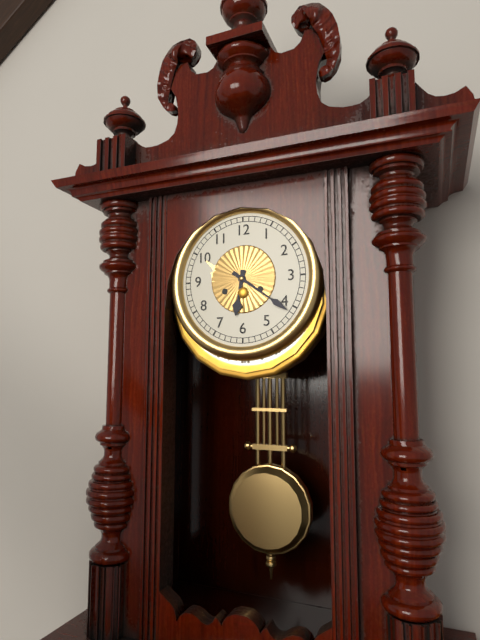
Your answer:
{"hour": 6, "minute": 21}
